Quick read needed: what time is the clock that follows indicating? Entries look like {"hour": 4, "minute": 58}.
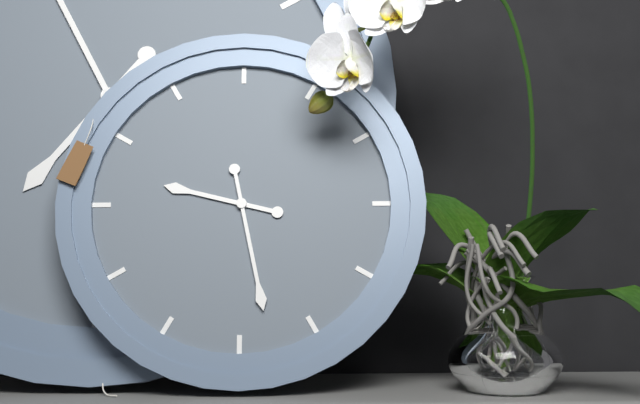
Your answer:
{"hour": 9, "minute": 28}
